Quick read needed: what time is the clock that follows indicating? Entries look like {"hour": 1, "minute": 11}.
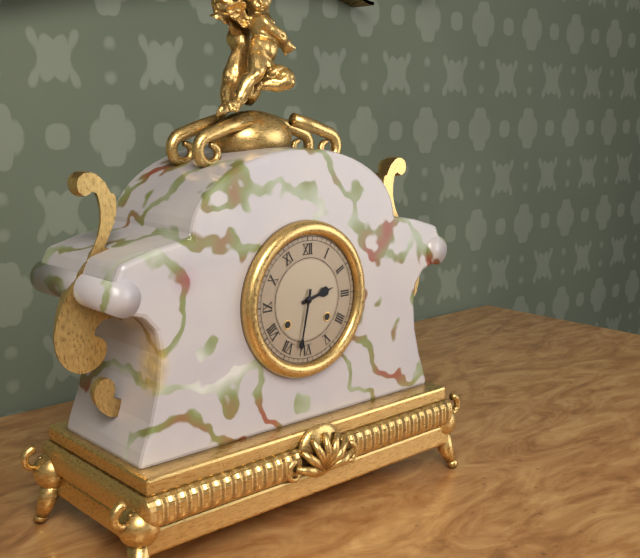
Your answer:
{"hour": 2, "minute": 32}
